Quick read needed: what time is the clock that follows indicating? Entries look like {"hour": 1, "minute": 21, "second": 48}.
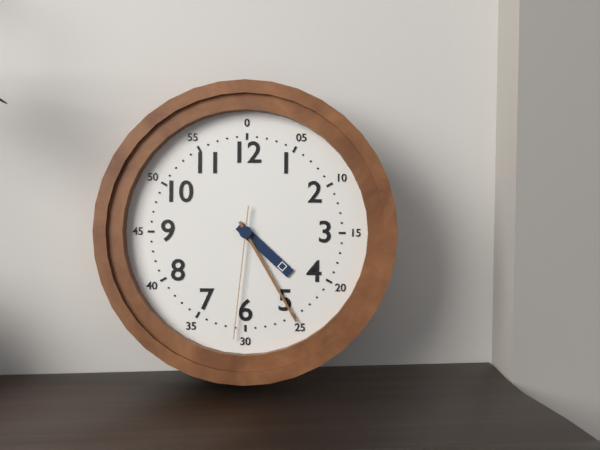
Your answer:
{"hour": 4, "minute": 25, "second": 31}
